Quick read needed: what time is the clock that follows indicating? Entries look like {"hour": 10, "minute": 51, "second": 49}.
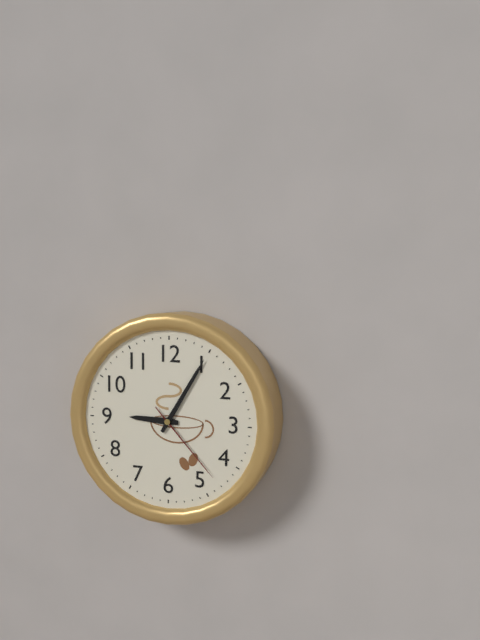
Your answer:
{"hour": 9, "minute": 5, "second": 23}
